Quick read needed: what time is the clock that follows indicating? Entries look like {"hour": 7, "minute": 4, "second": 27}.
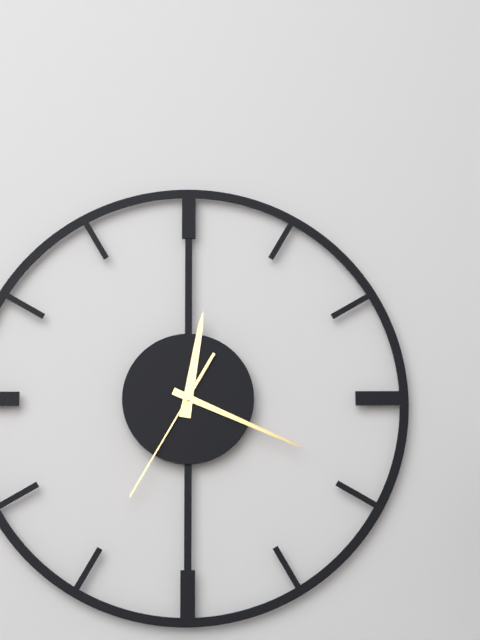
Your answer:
{"hour": 12, "minute": 19, "second": 35}
